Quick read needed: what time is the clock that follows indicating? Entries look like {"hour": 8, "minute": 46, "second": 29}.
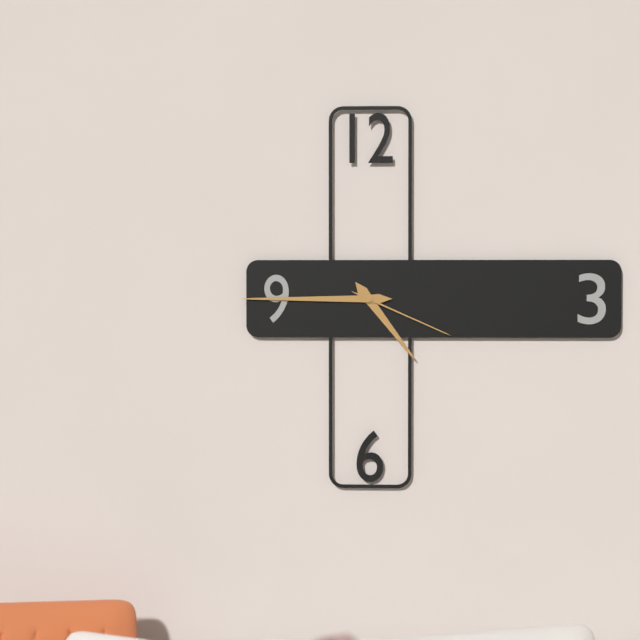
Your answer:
{"hour": 4, "minute": 45, "second": 19}
